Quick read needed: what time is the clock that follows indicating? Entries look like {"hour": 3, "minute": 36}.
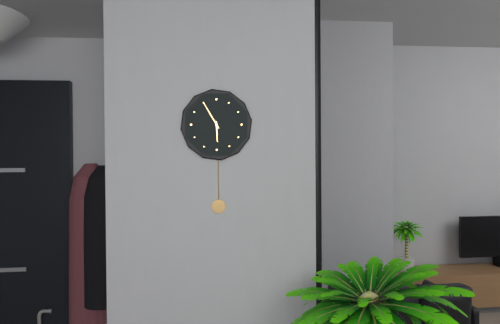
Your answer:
{"hour": 5, "minute": 55}
